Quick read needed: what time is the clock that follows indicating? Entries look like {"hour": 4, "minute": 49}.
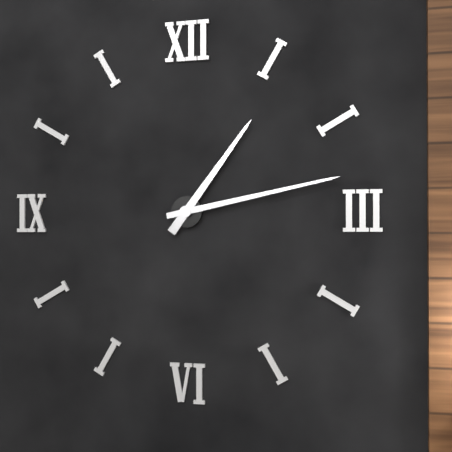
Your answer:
{"hour": 1, "minute": 13}
